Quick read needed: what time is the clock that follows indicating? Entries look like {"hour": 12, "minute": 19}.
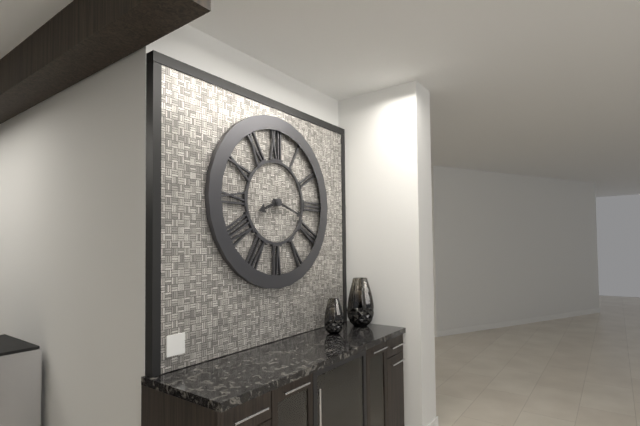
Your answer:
{"hour": 8, "minute": 18}
